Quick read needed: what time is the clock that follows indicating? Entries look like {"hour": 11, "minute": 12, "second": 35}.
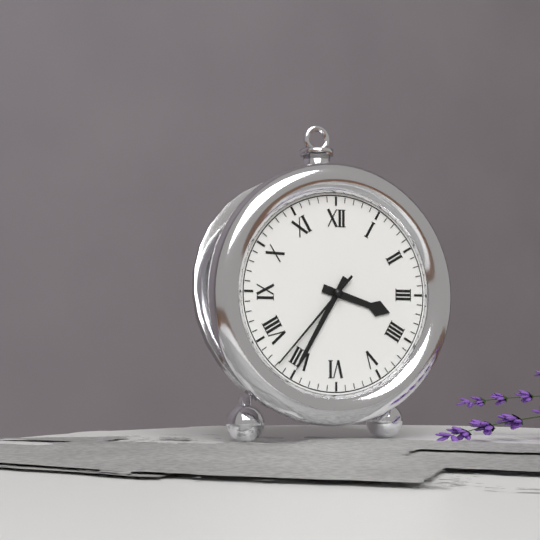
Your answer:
{"hour": 3, "minute": 35, "second": 37}
